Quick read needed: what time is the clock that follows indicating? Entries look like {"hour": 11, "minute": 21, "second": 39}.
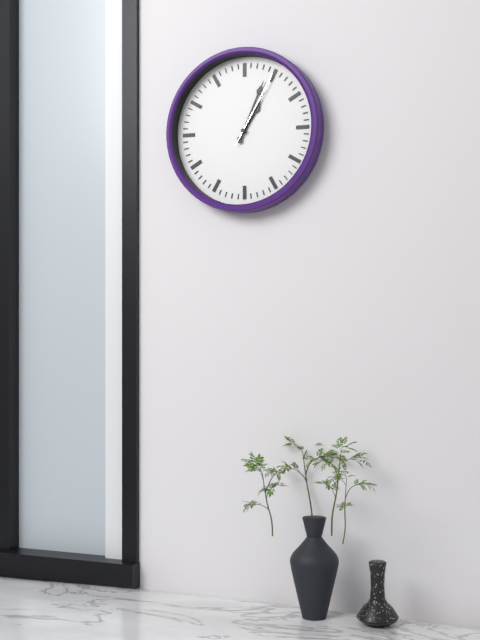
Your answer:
{"hour": 1, "minute": 4, "second": 5}
